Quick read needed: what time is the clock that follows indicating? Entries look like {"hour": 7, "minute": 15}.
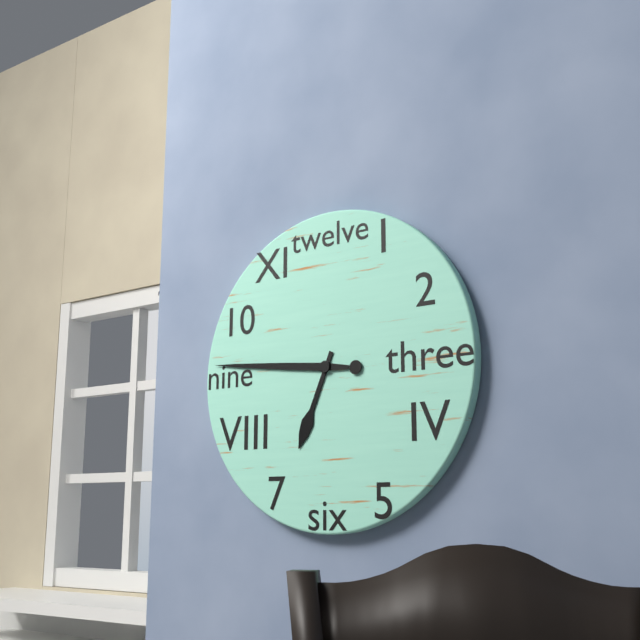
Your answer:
{"hour": 6, "minute": 46}
